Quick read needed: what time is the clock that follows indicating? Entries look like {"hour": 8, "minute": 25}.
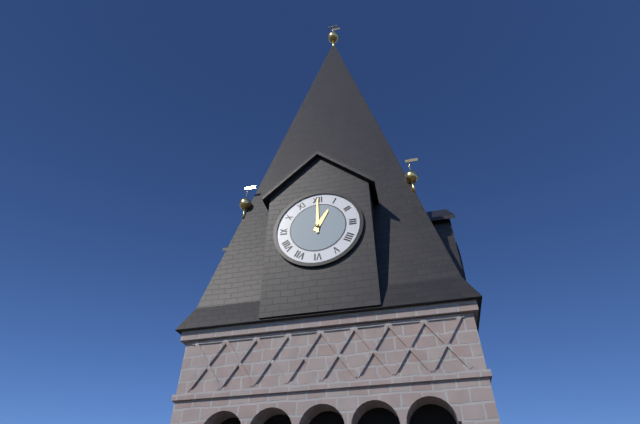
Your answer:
{"hour": 1, "minute": 0}
